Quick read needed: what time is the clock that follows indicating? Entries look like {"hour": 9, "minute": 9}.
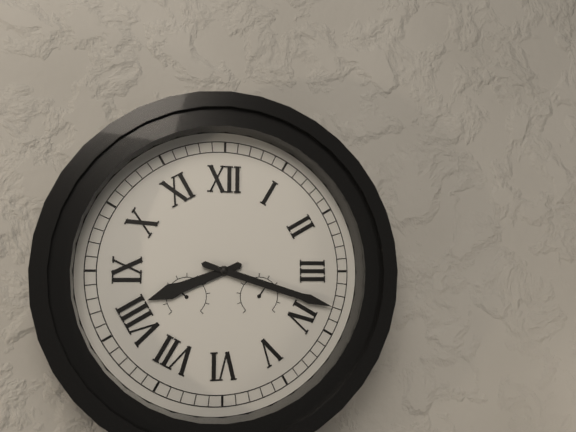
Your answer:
{"hour": 8, "minute": 18}
